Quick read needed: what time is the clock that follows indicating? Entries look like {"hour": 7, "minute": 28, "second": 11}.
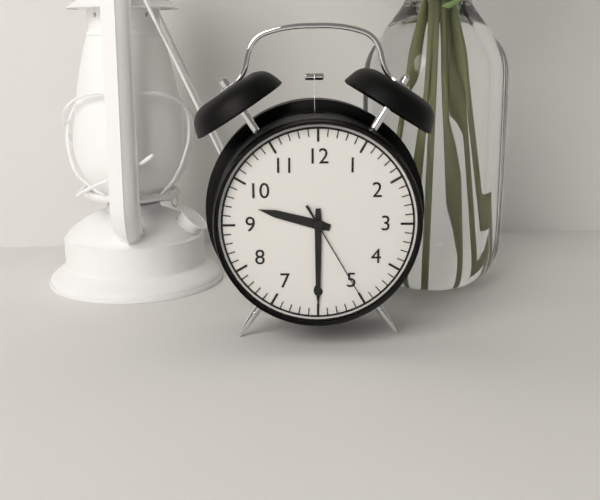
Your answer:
{"hour": 9, "minute": 30, "second": 25}
